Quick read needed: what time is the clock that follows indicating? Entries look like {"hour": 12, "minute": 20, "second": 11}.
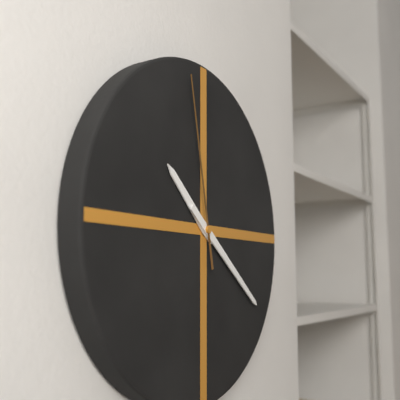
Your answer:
{"hour": 10, "minute": 21, "second": 58}
